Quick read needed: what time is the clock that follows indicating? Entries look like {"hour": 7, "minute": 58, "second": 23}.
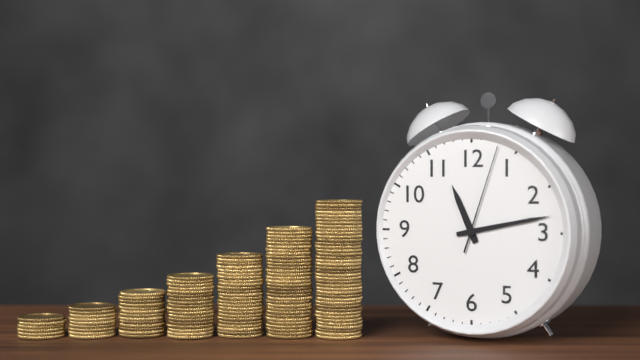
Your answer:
{"hour": 11, "minute": 13, "second": 3}
